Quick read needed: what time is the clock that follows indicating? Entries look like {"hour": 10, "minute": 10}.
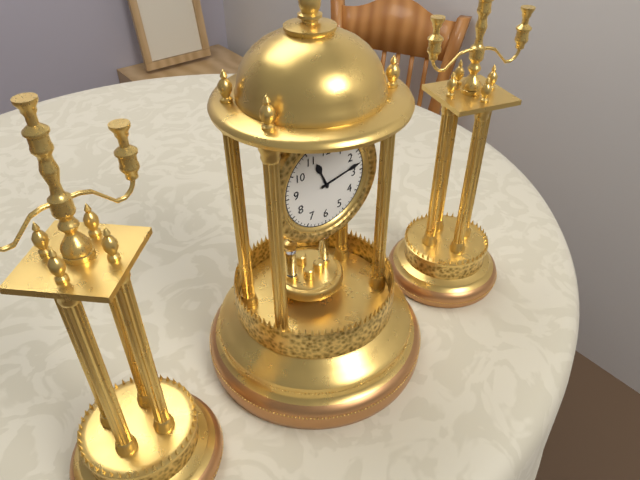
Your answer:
{"hour": 11, "minute": 13}
